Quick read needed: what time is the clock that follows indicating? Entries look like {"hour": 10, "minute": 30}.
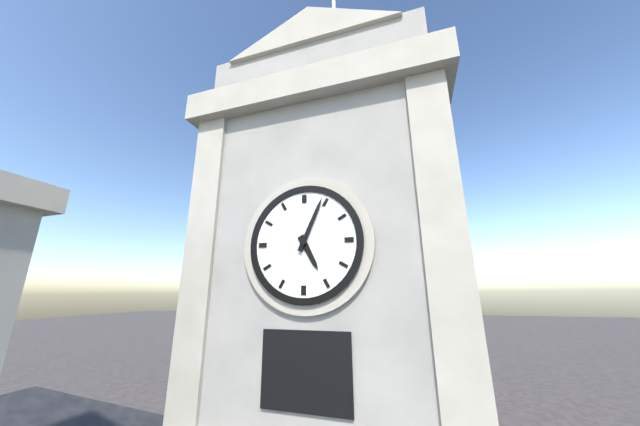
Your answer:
{"hour": 5, "minute": 4}
